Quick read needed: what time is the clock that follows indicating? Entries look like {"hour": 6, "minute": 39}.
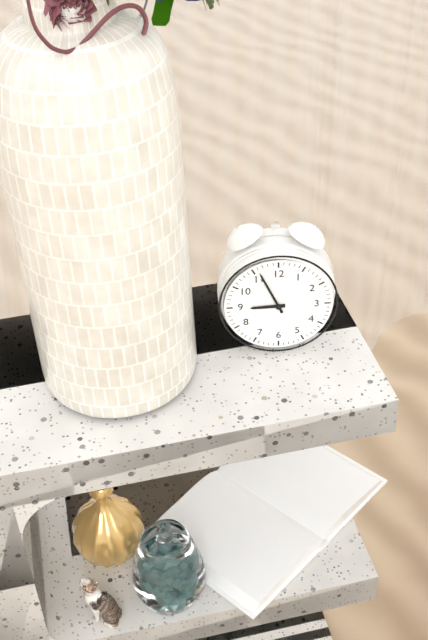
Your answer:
{"hour": 8, "minute": 56}
